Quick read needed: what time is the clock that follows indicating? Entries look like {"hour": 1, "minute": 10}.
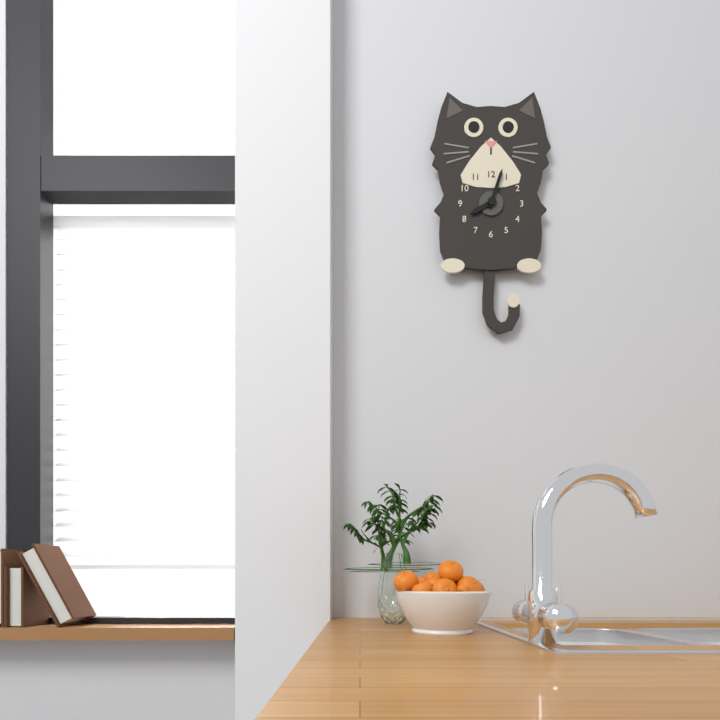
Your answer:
{"hour": 8, "minute": 3}
